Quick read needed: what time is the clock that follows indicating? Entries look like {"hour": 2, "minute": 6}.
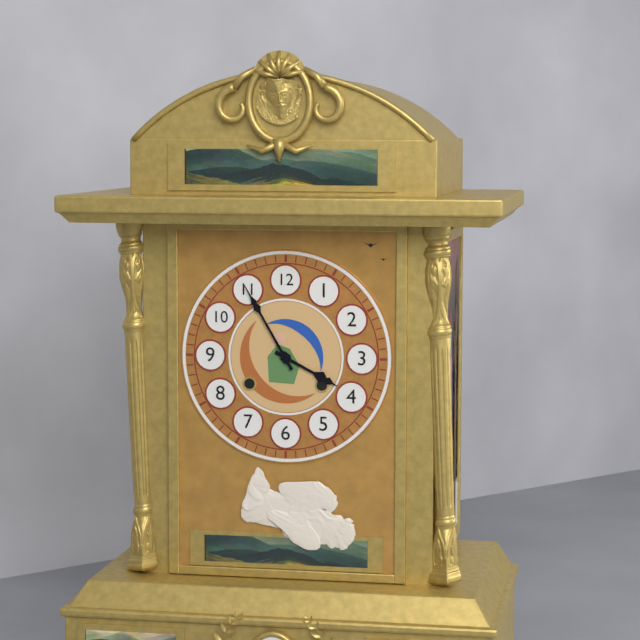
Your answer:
{"hour": 3, "minute": 55}
